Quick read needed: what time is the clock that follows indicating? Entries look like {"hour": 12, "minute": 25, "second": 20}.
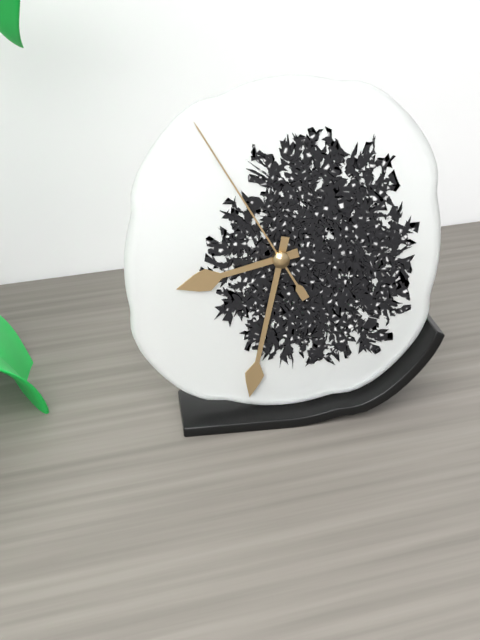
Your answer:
{"hour": 8, "minute": 32, "second": 55}
